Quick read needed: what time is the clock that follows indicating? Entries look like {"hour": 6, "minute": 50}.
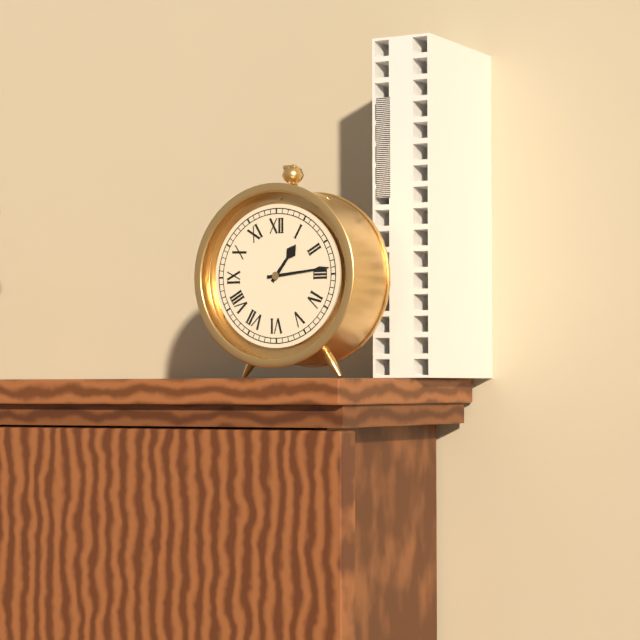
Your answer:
{"hour": 1, "minute": 14}
